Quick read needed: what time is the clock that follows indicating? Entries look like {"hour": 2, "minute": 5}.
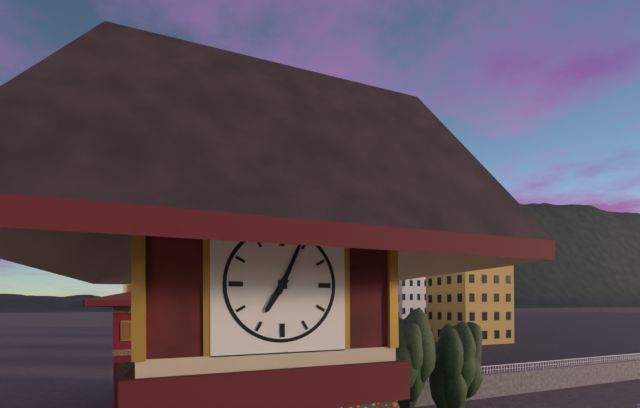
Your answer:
{"hour": 7, "minute": 4}
